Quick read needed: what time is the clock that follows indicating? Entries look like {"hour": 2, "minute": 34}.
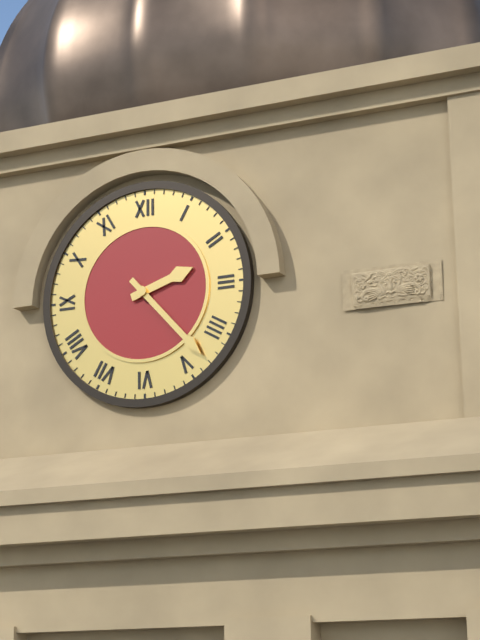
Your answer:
{"hour": 2, "minute": 23}
